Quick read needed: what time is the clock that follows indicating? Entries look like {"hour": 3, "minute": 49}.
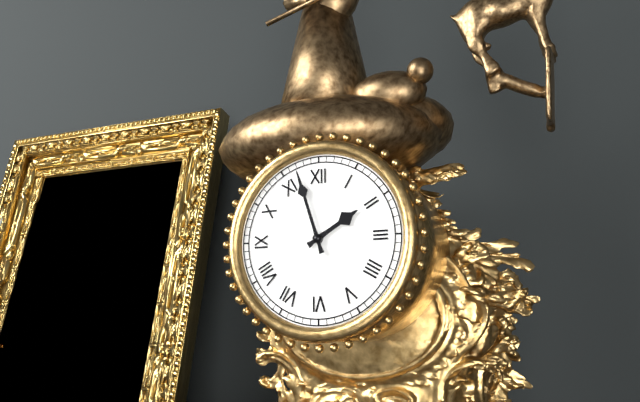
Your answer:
{"hour": 1, "minute": 57}
